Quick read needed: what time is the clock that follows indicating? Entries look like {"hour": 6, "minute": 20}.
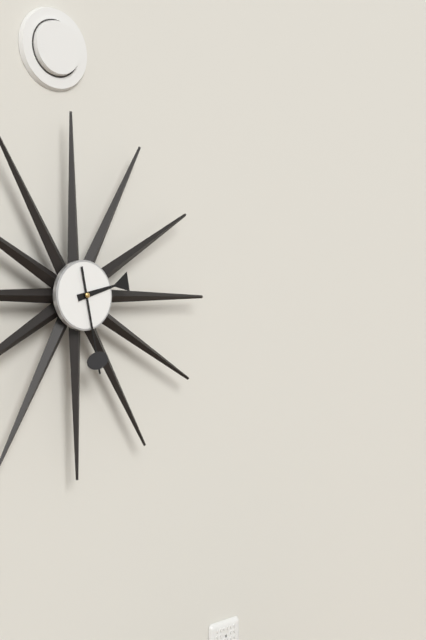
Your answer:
{"hour": 2, "minute": 28}
